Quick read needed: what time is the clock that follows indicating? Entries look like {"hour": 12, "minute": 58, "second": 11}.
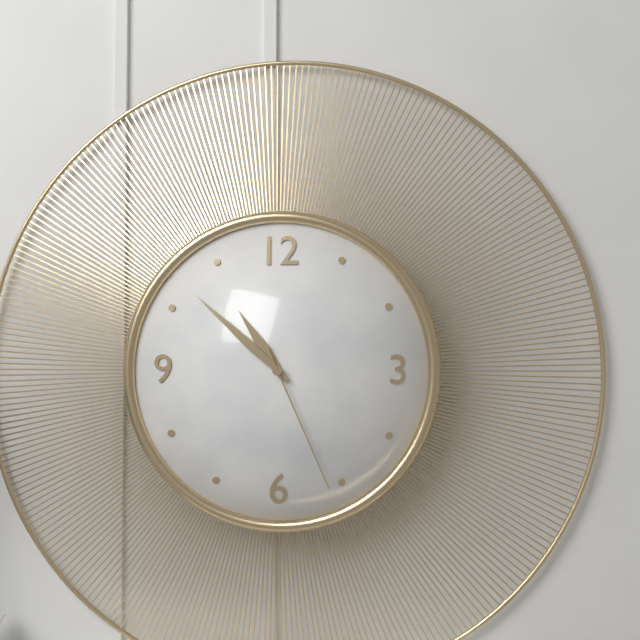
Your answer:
{"hour": 10, "minute": 52, "second": 26}
